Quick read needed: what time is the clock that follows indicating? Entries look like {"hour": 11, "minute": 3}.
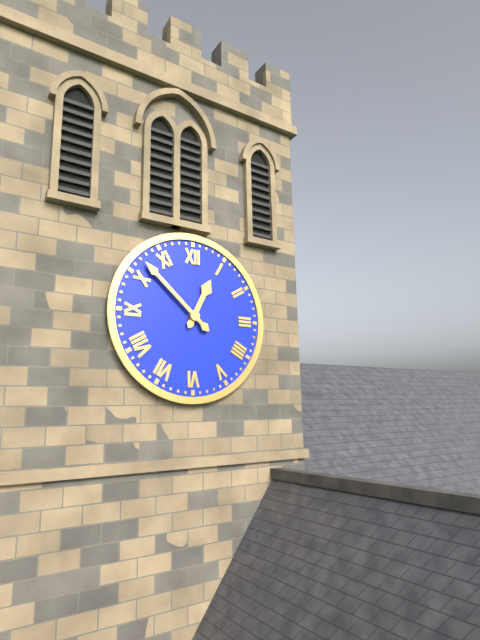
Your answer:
{"hour": 12, "minute": 52}
